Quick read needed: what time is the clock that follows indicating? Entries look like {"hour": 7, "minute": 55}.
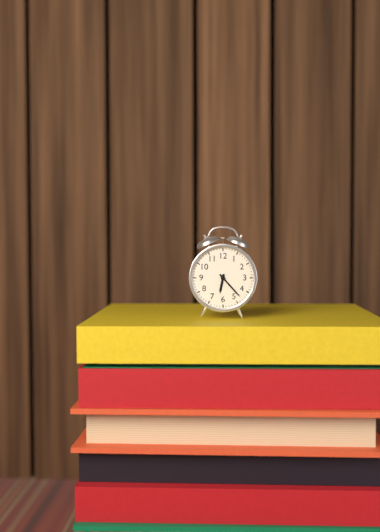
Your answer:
{"hour": 6, "minute": 23}
